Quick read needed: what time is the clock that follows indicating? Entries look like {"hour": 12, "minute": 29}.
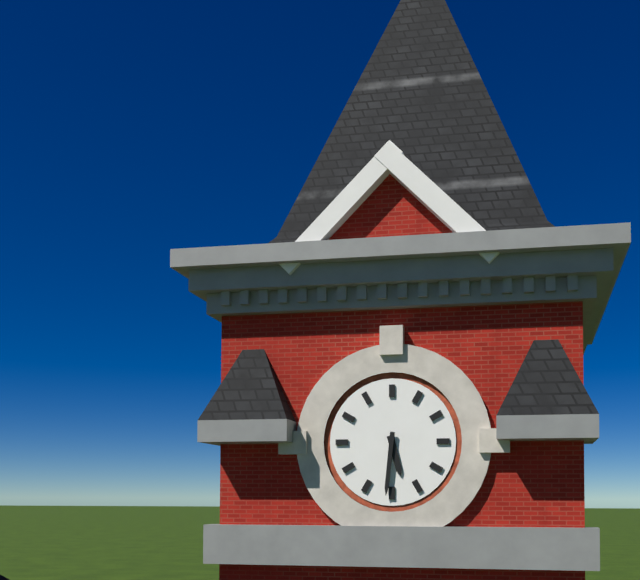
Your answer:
{"hour": 5, "minute": 31}
